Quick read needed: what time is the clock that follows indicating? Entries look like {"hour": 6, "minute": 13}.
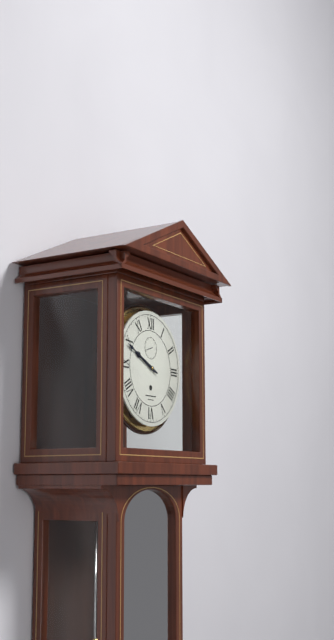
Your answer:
{"hour": 9, "minute": 49}
